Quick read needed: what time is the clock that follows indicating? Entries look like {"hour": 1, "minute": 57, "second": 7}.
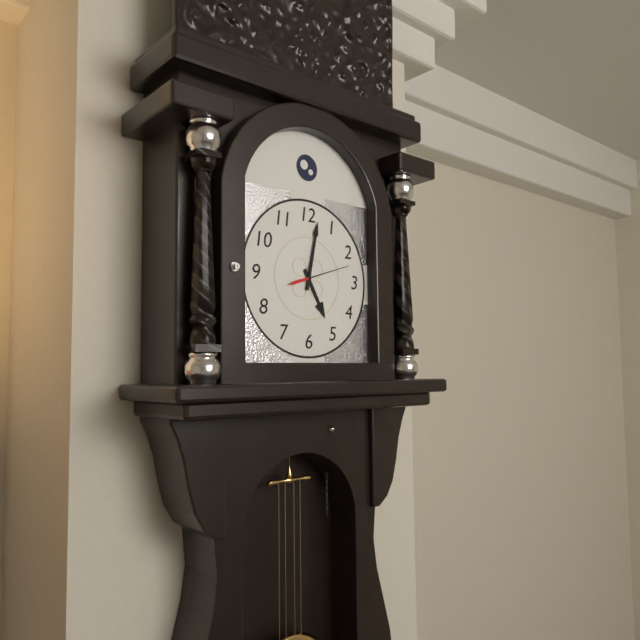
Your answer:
{"hour": 5, "minute": 2, "second": 12}
